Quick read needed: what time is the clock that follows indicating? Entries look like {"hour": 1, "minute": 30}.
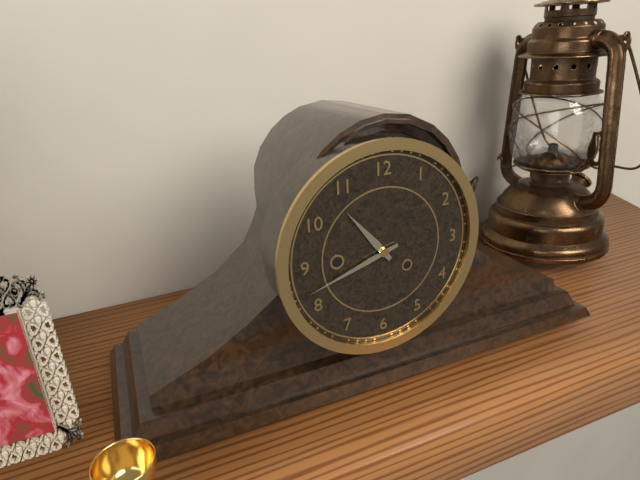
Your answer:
{"hour": 10, "minute": 42}
